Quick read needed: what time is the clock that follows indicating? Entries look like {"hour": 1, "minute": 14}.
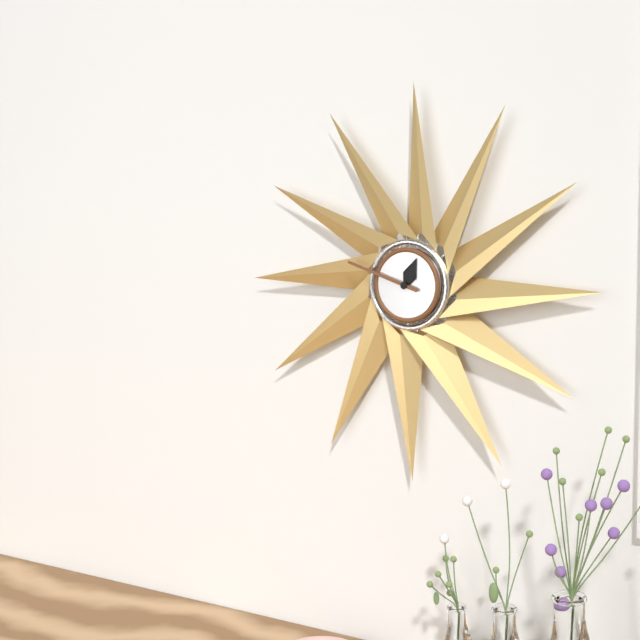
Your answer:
{"hour": 12, "minute": 48}
